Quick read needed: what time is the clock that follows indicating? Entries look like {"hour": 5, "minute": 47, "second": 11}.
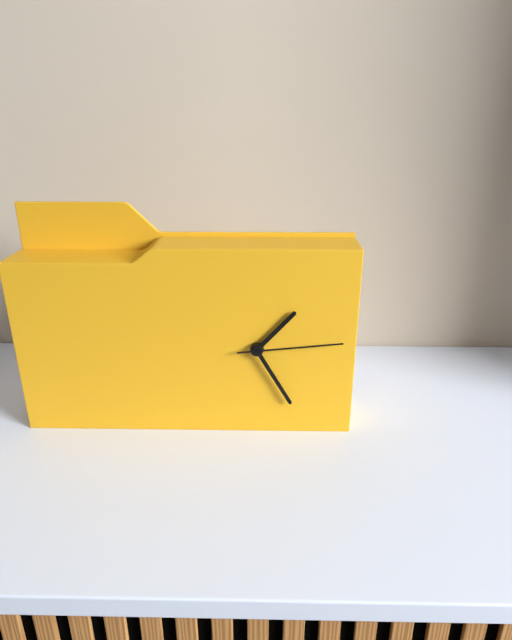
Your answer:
{"hour": 1, "minute": 25, "second": 14}
